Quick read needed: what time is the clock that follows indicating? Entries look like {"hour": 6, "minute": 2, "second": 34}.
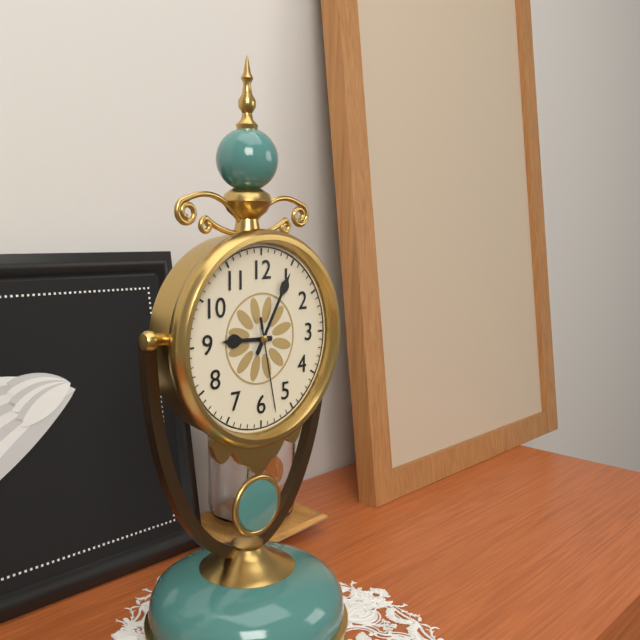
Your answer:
{"hour": 9, "minute": 5, "second": 28}
